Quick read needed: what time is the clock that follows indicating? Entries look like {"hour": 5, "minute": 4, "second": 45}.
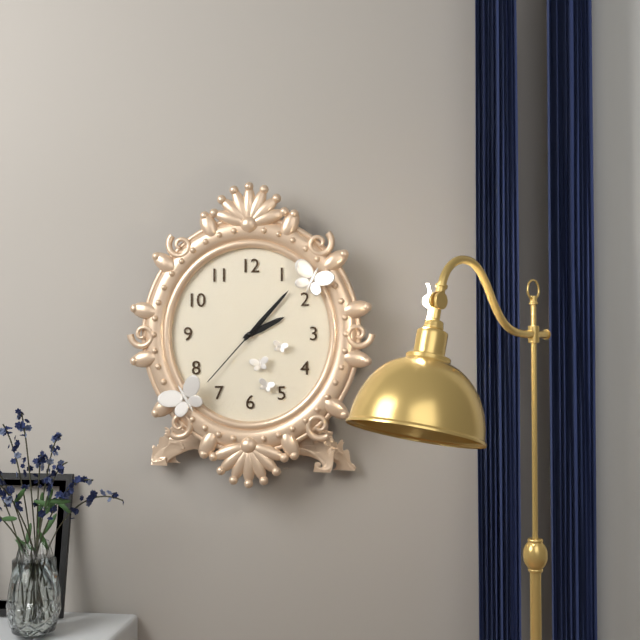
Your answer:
{"hour": 2, "minute": 7, "second": 37}
